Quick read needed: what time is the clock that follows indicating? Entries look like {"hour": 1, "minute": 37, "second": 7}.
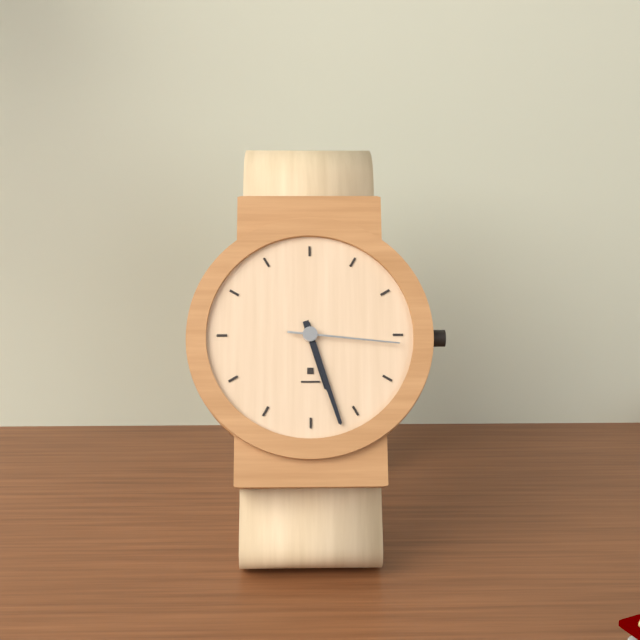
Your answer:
{"hour": 5, "minute": 27, "second": 16}
